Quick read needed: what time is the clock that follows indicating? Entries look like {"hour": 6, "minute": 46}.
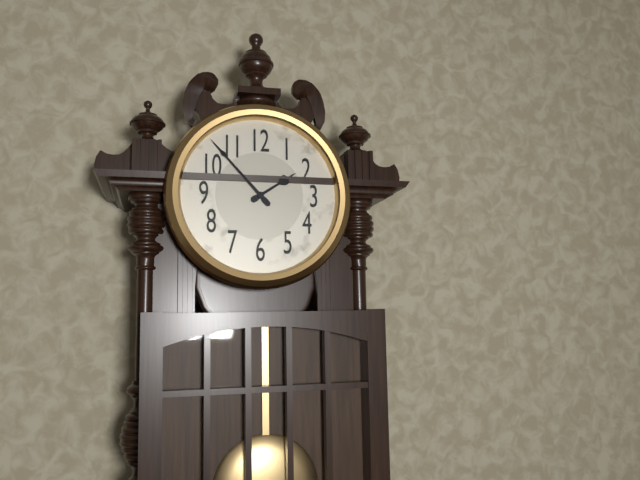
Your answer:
{"hour": 1, "minute": 53}
